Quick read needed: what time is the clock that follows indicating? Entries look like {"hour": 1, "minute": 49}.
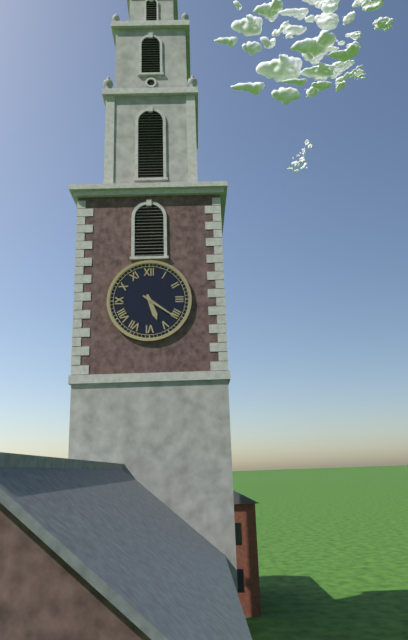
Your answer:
{"hour": 5, "minute": 21}
